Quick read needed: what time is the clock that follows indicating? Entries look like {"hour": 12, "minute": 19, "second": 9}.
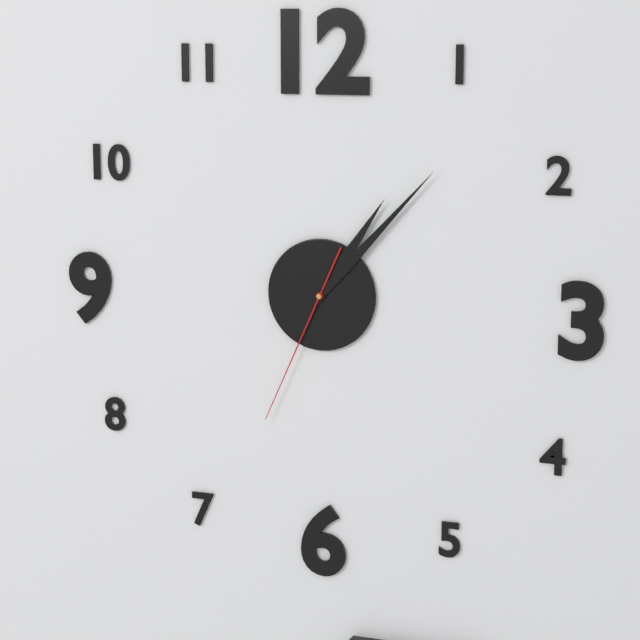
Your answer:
{"hour": 1, "minute": 7, "second": 34}
